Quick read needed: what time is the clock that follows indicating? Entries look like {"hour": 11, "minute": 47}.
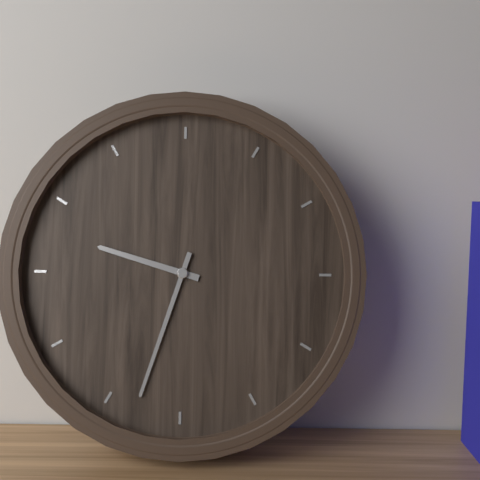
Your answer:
{"hour": 9, "minute": 33}
